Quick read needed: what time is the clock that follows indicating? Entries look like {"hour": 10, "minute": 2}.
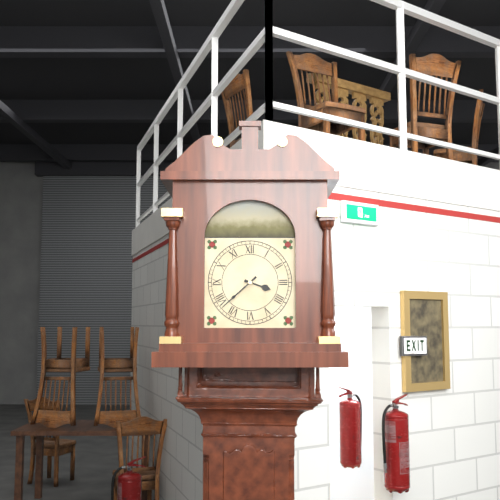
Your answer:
{"hour": 3, "minute": 38}
